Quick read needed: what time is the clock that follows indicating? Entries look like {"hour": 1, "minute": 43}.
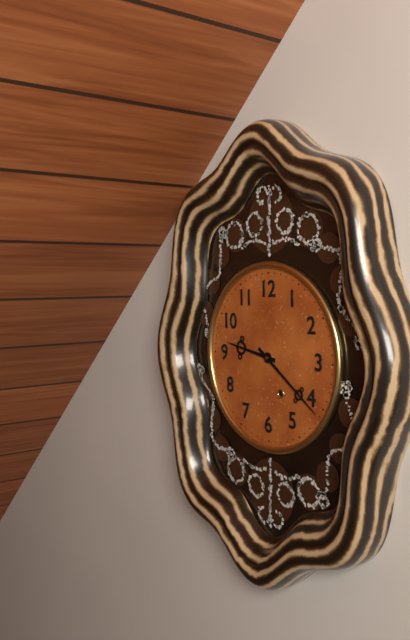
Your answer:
{"hour": 9, "minute": 21}
